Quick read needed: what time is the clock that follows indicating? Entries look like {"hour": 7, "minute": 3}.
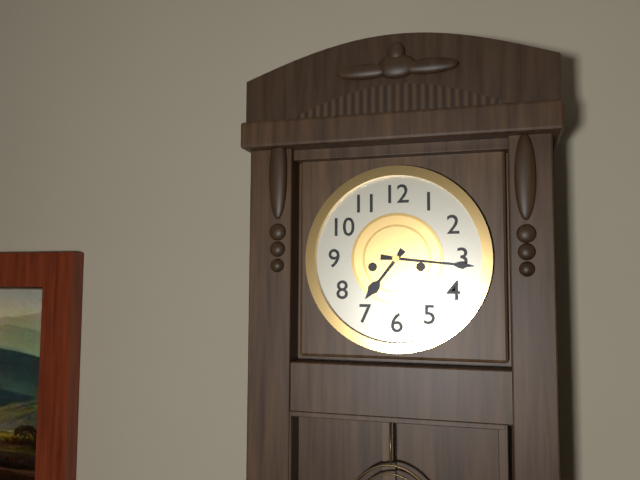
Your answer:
{"hour": 7, "minute": 16}
